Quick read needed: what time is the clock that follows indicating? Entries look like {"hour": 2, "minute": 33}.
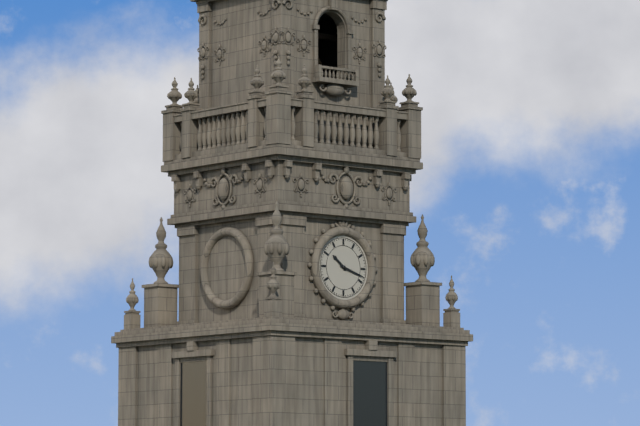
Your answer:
{"hour": 10, "minute": 18}
